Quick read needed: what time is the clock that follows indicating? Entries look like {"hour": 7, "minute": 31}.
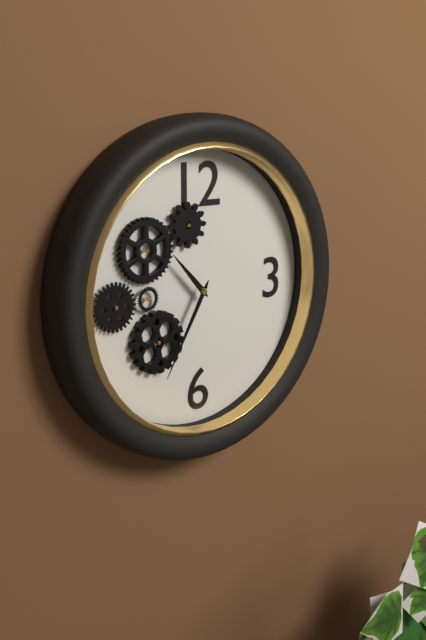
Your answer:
{"hour": 10, "minute": 35}
